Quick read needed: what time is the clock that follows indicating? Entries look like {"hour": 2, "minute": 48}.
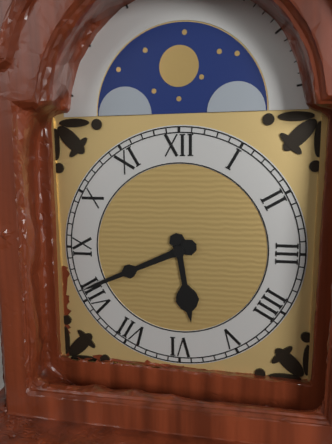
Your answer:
{"hour": 5, "minute": 41}
